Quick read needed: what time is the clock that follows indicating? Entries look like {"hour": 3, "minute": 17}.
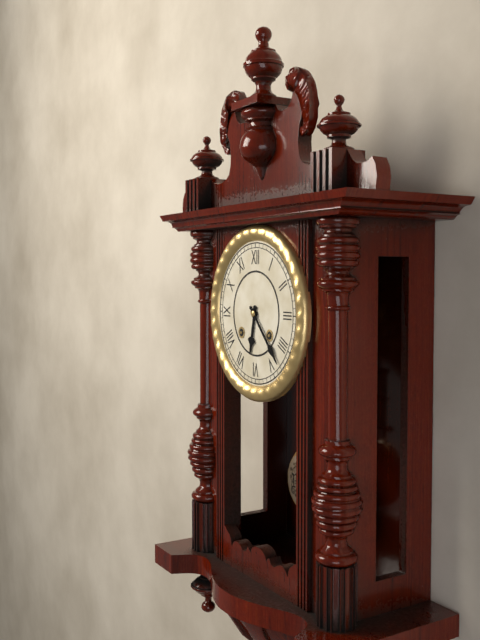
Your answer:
{"hour": 6, "minute": 23}
